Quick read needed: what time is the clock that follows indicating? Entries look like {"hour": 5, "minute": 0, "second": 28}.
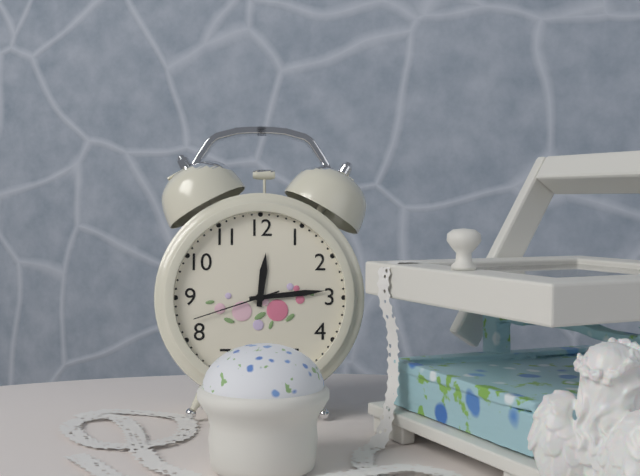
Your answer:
{"hour": 12, "minute": 14, "second": 42}
